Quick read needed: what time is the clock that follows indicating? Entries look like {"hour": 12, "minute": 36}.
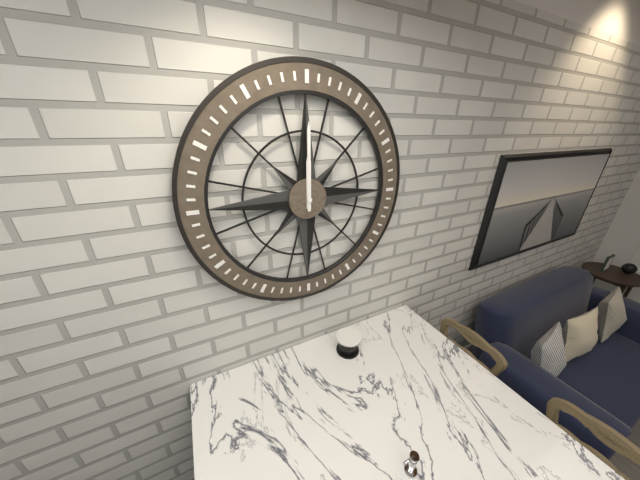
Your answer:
{"hour": 12, "minute": 0}
